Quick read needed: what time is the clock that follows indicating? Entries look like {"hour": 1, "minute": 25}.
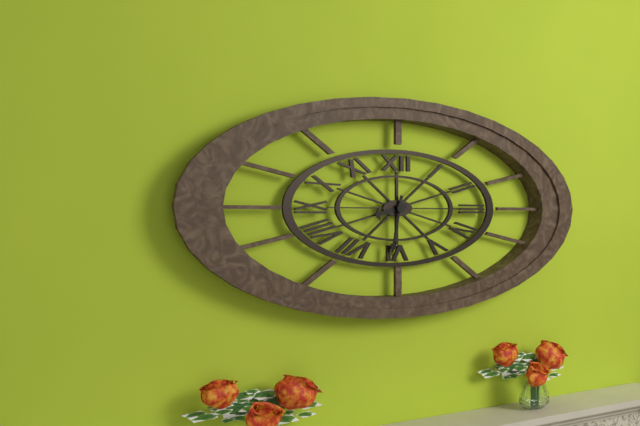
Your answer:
{"hour": 8, "minute": 32}
